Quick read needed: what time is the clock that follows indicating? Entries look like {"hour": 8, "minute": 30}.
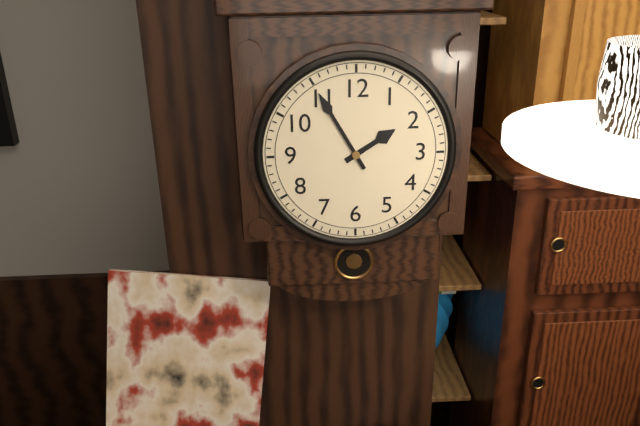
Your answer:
{"hour": 1, "minute": 55}
